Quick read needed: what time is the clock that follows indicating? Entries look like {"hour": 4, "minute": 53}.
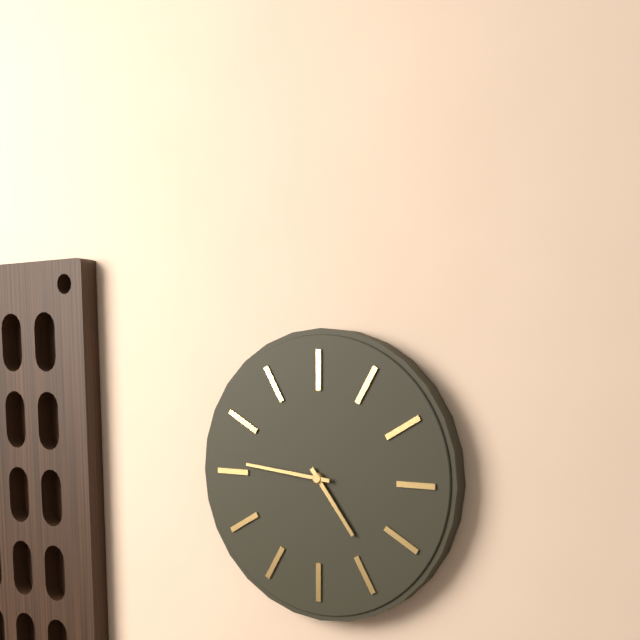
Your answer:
{"hour": 4, "minute": 46}
